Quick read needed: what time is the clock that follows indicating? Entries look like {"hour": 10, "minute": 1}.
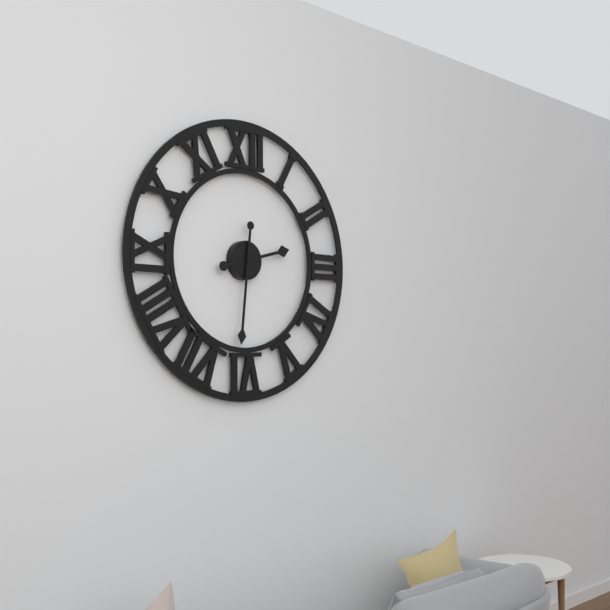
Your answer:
{"hour": 2, "minute": 31}
